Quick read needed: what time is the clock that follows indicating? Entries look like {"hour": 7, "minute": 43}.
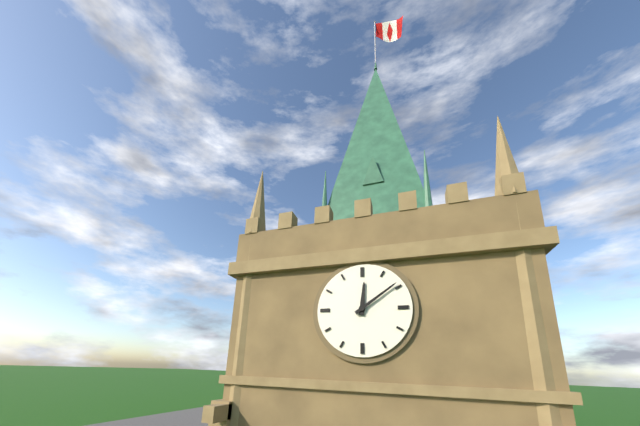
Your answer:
{"hour": 12, "minute": 9}
